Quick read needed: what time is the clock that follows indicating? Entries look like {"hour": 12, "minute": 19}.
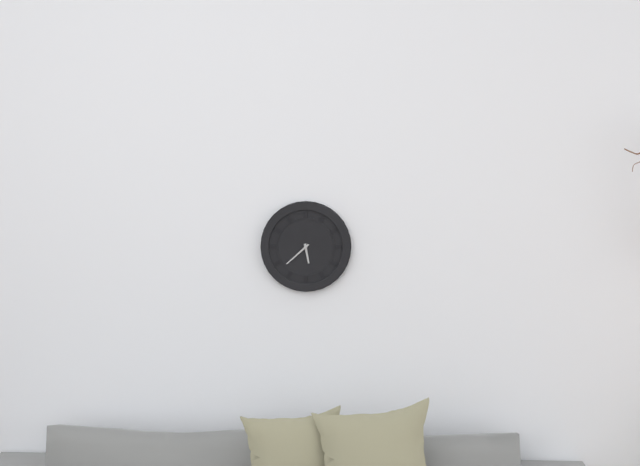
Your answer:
{"hour": 5, "minute": 38}
